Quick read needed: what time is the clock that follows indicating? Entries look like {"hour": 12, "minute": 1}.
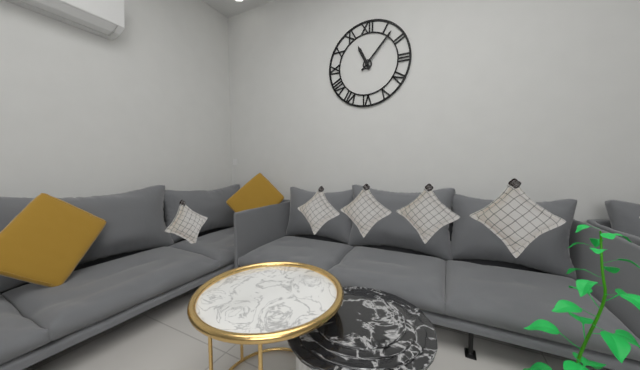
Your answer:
{"hour": 11, "minute": 7}
